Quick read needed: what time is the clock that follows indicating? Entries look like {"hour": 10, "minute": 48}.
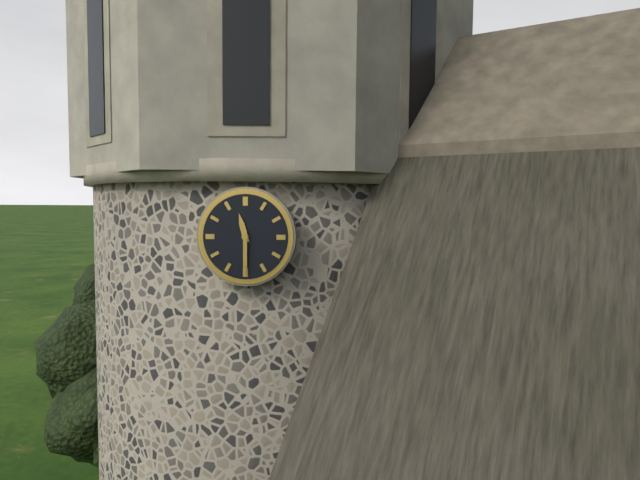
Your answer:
{"hour": 11, "minute": 30}
